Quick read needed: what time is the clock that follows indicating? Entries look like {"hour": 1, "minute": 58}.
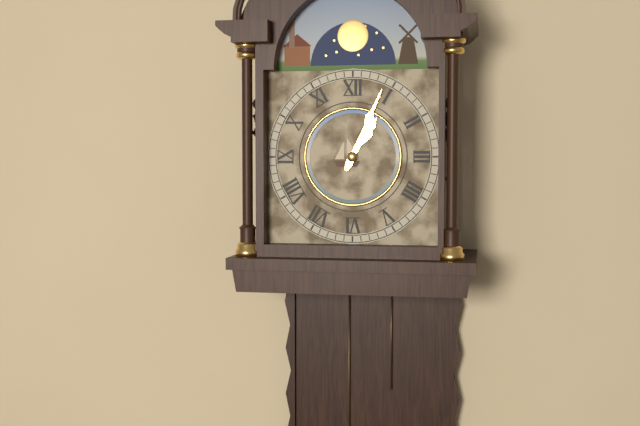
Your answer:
{"hour": 1, "minute": 4}
